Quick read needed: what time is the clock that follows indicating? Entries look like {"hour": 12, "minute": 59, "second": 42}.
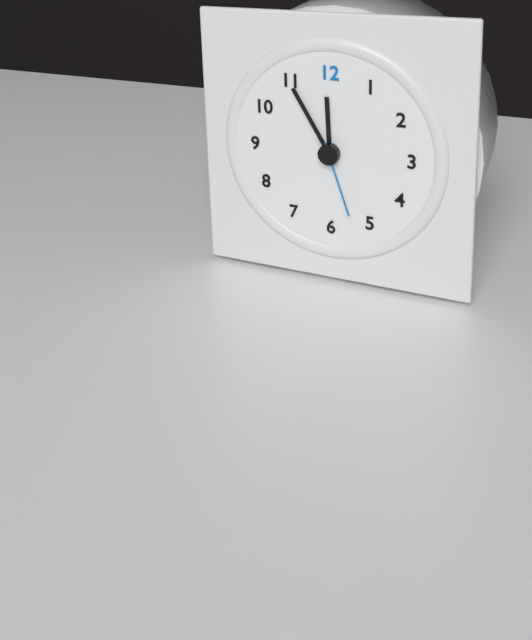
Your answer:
{"hour": 11, "minute": 55, "second": 27}
